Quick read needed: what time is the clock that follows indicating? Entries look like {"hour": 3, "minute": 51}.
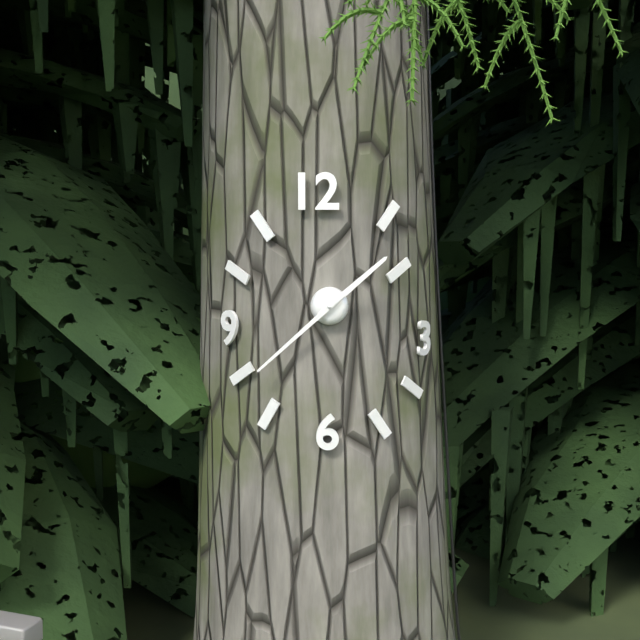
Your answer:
{"hour": 1, "minute": 38}
